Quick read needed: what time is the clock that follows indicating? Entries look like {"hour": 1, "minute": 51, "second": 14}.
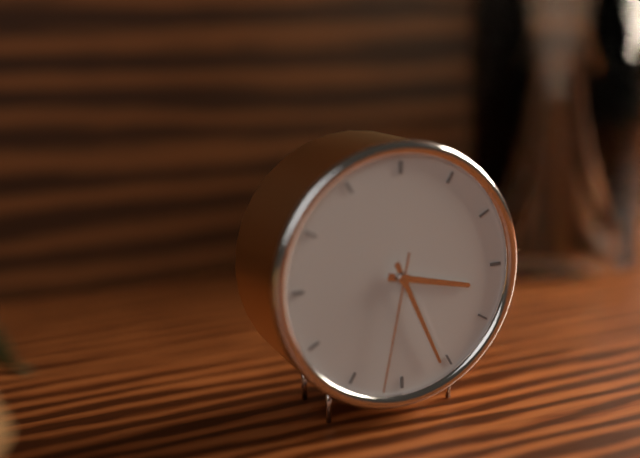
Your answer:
{"hour": 3, "minute": 26, "second": 32}
